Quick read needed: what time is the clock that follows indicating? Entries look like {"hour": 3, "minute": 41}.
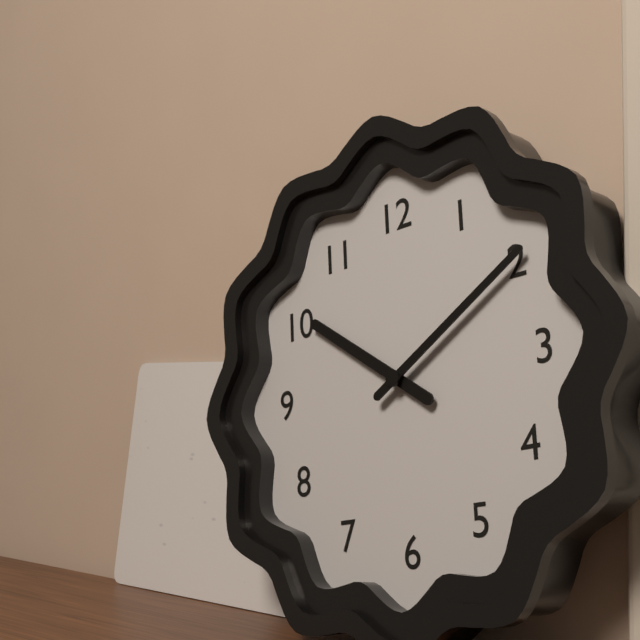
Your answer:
{"hour": 10, "minute": 10}
